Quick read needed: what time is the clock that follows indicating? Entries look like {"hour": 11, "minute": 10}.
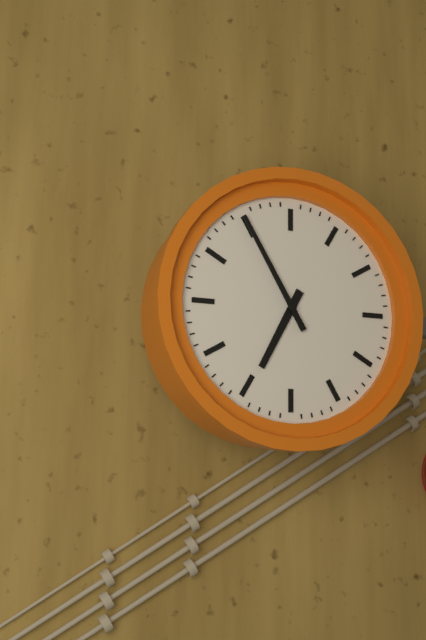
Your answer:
{"hour": 6, "minute": 55}
